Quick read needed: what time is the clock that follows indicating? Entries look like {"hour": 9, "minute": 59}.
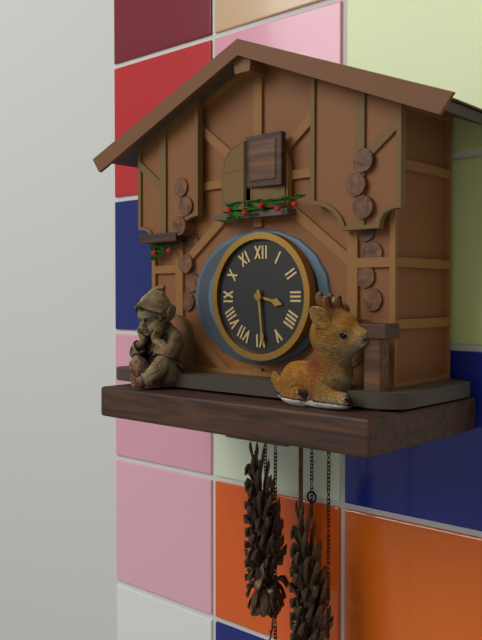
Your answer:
{"hour": 3, "minute": 29}
